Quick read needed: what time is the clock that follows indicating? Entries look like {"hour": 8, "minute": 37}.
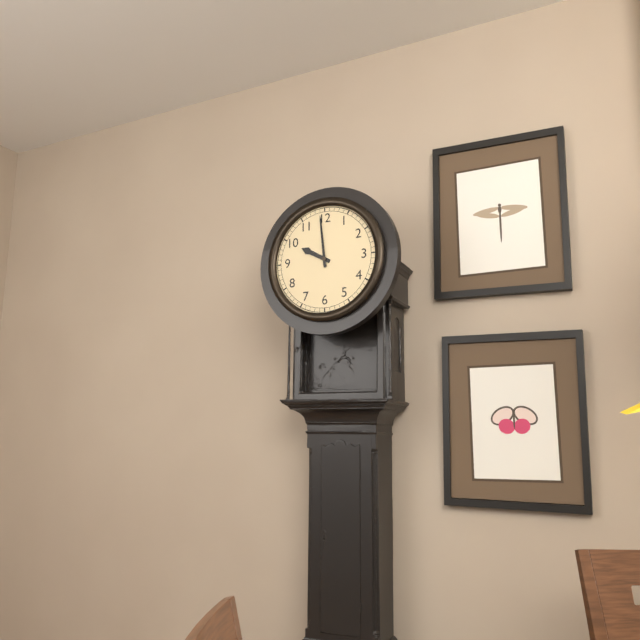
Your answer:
{"hour": 9, "minute": 59}
